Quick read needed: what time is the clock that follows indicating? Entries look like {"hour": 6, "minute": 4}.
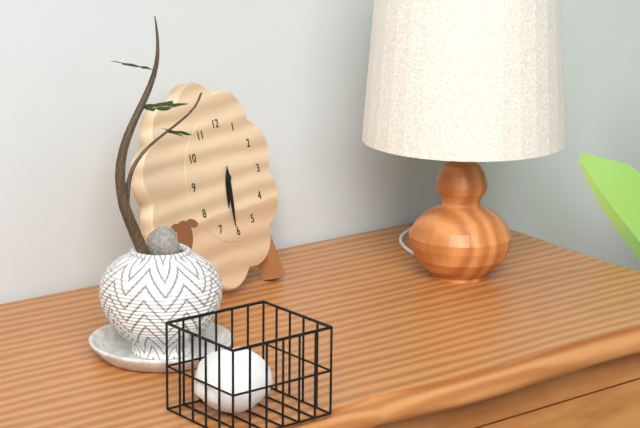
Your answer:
{"hour": 6, "minute": 31}
